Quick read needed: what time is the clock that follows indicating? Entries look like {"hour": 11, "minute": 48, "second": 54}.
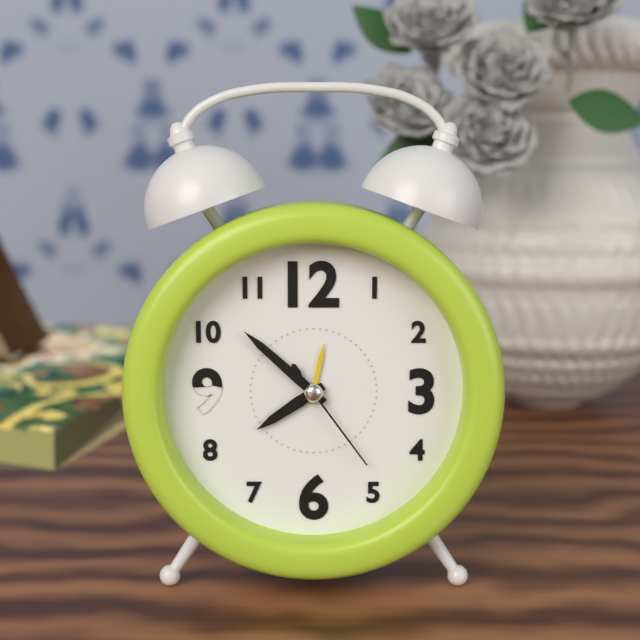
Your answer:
{"hour": 7, "minute": 52, "second": 24}
